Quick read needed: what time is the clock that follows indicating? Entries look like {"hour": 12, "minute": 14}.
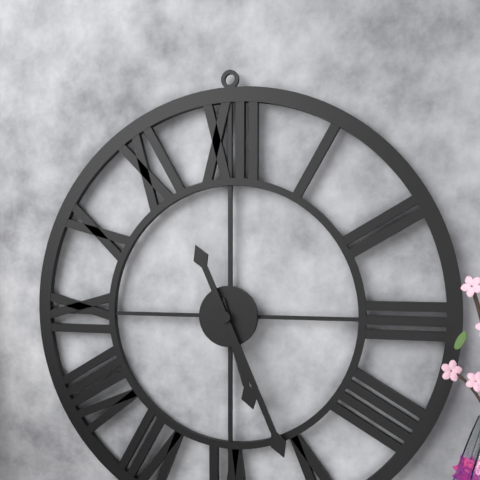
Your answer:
{"hour": 5, "minute": 26}
